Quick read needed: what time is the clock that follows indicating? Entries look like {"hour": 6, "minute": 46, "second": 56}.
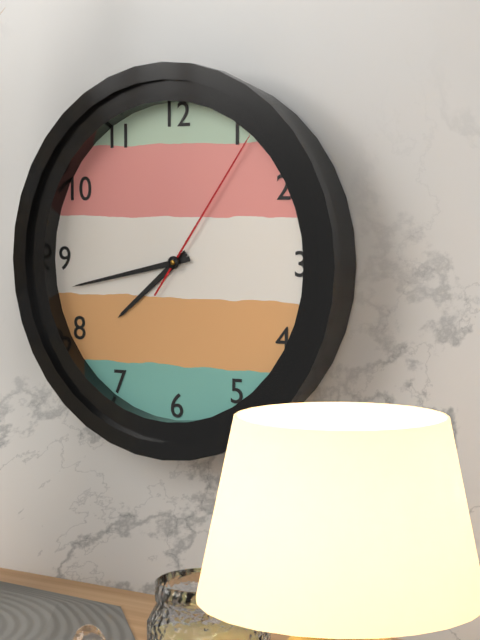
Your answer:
{"hour": 7, "minute": 43, "second": 6}
